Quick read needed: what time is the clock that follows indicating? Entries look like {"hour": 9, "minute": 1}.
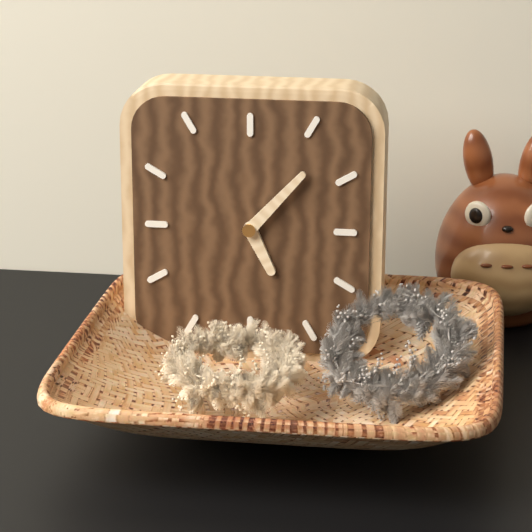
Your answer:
{"hour": 5, "minute": 7}
